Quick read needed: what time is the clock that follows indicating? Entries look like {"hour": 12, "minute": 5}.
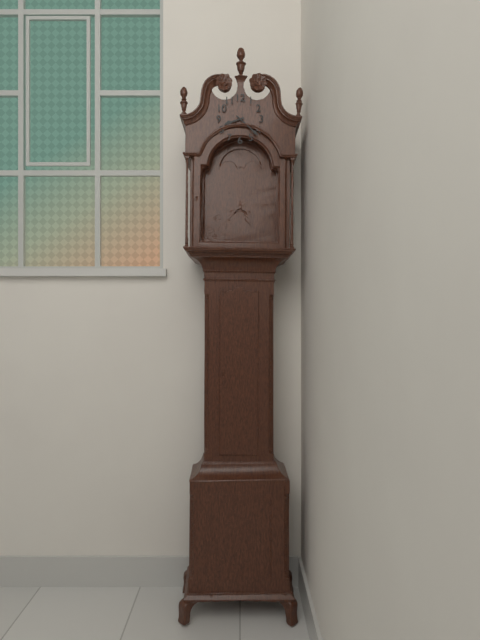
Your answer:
{"hour": 8, "minute": 22}
